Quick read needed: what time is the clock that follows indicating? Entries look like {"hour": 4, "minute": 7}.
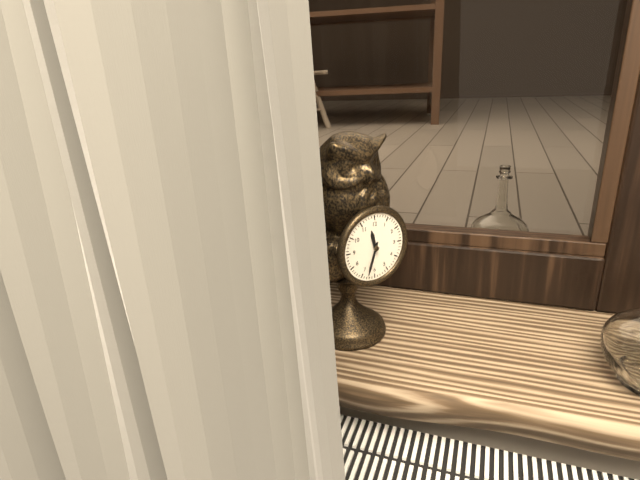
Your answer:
{"hour": 11, "minute": 33}
